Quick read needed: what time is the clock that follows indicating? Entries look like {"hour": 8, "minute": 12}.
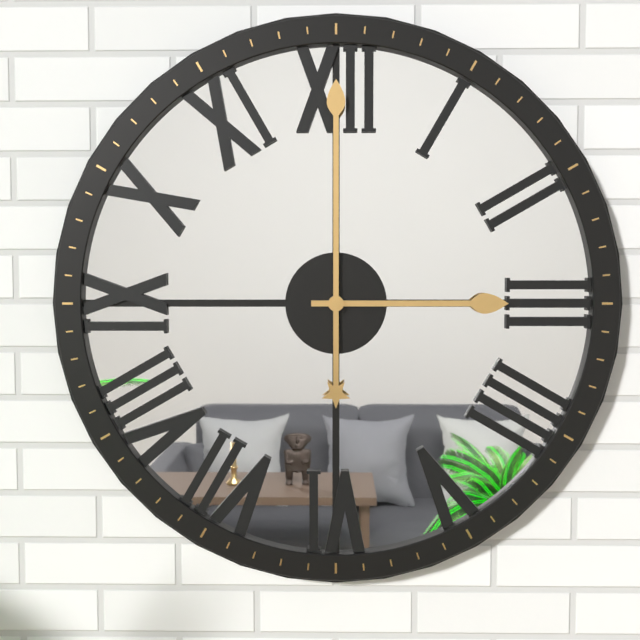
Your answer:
{"hour": 3, "minute": 0}
